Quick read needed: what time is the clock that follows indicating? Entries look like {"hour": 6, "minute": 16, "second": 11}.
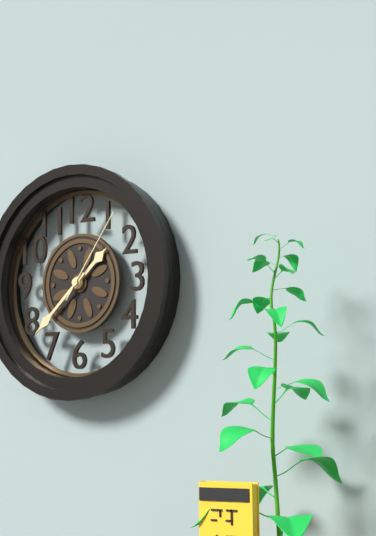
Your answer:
{"hour": 1, "minute": 38, "second": 6}
